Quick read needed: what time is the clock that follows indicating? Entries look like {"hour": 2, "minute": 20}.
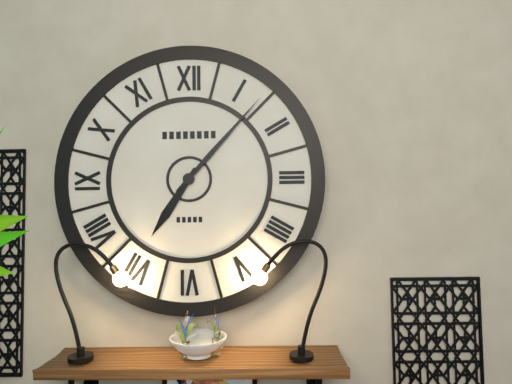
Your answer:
{"hour": 7, "minute": 7}
